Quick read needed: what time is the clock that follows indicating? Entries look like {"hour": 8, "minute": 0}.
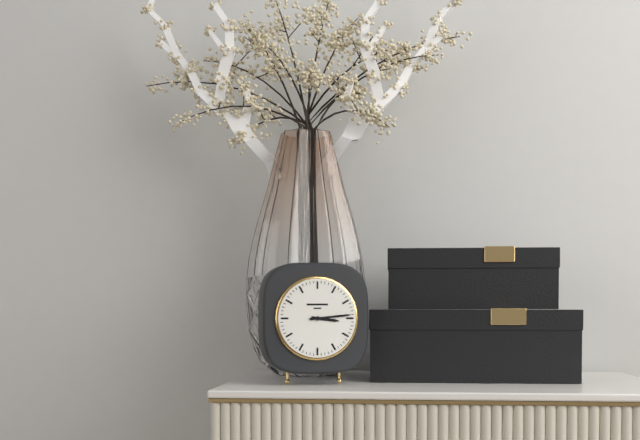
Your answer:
{"hour": 3, "minute": 14}
